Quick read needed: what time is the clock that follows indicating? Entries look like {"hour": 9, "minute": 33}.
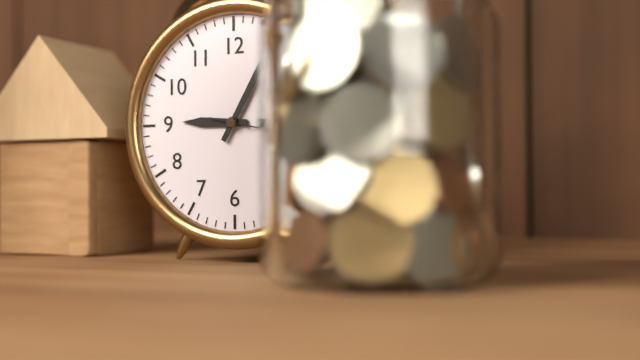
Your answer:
{"hour": 9, "minute": 5}
